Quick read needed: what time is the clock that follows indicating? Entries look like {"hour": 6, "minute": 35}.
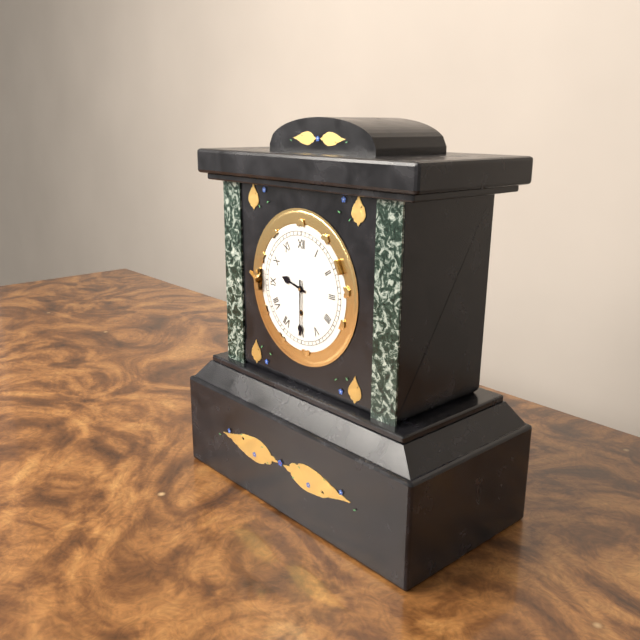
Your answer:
{"hour": 9, "minute": 30}
